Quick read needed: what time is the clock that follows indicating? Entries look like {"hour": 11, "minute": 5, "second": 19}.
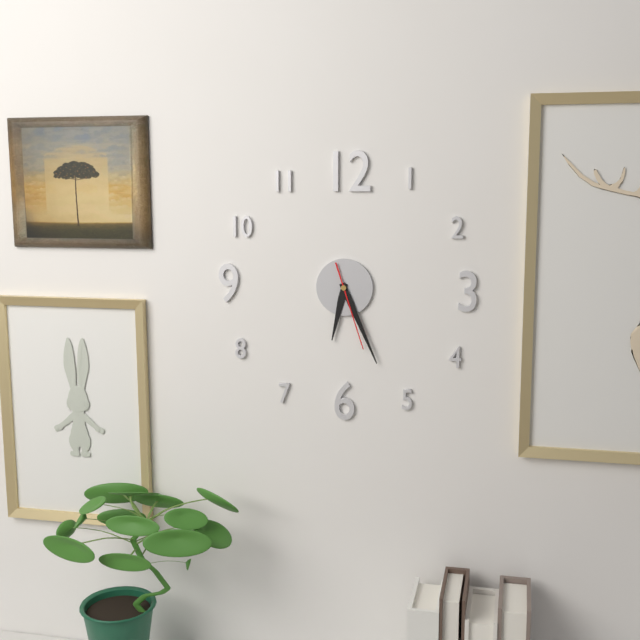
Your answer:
{"hour": 6, "minute": 26, "second": 27}
